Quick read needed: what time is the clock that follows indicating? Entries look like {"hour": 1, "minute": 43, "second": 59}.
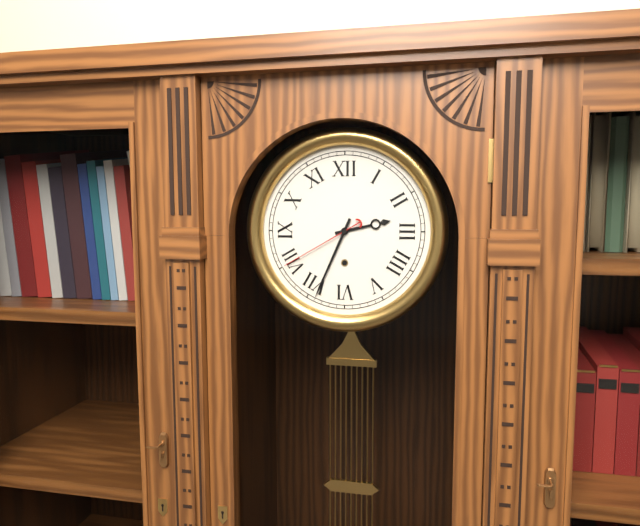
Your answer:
{"hour": 2, "minute": 34, "second": 40}
